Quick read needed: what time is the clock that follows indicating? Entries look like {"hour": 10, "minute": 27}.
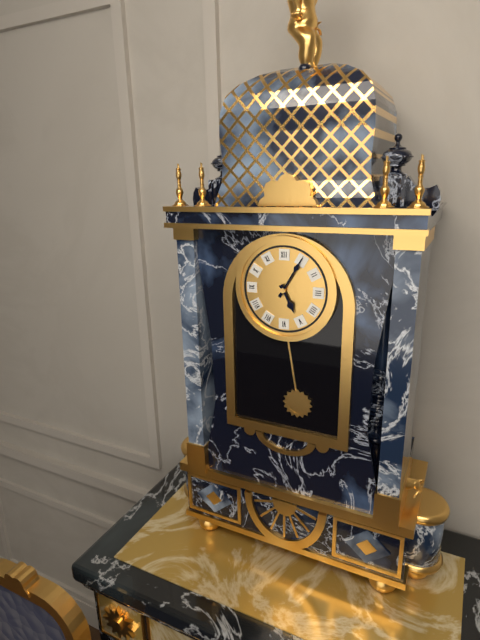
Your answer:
{"hour": 5, "minute": 5}
